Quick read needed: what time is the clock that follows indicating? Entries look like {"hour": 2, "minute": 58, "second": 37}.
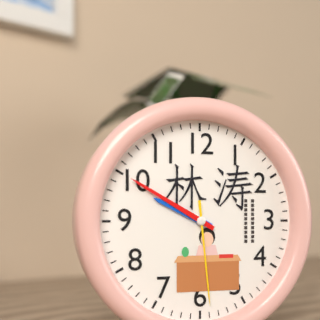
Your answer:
{"hour": 9, "minute": 50, "second": 29}
